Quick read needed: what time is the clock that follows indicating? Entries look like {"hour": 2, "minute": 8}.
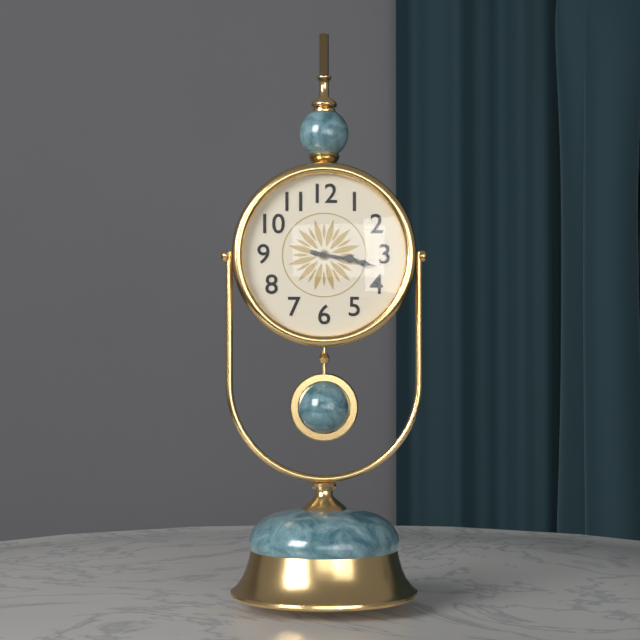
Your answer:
{"hour": 3, "minute": 17}
